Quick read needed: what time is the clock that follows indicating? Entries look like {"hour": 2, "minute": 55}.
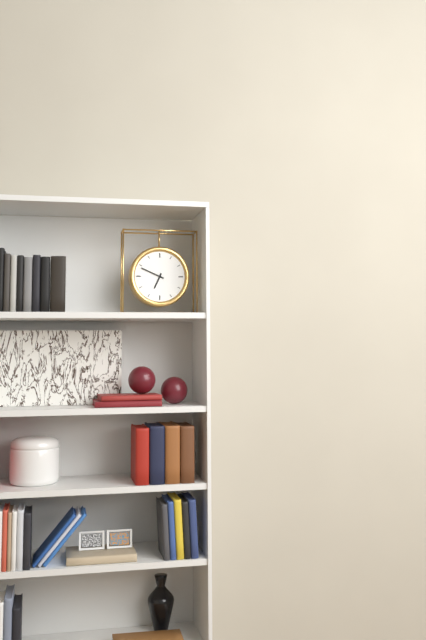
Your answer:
{"hour": 6, "minute": 49}
